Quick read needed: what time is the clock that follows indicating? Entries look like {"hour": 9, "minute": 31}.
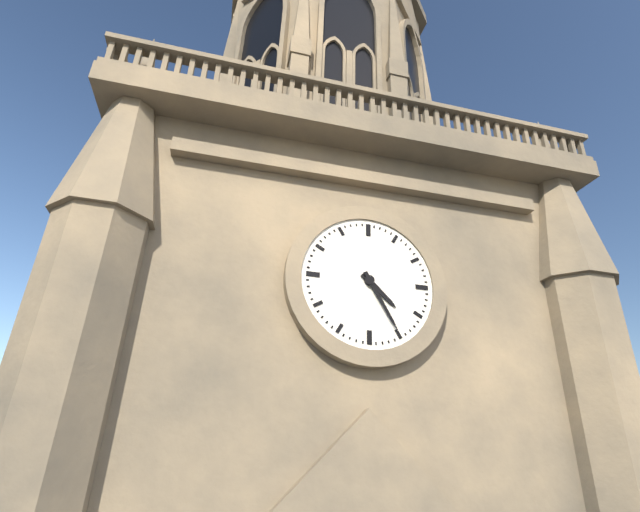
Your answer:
{"hour": 4, "minute": 25}
